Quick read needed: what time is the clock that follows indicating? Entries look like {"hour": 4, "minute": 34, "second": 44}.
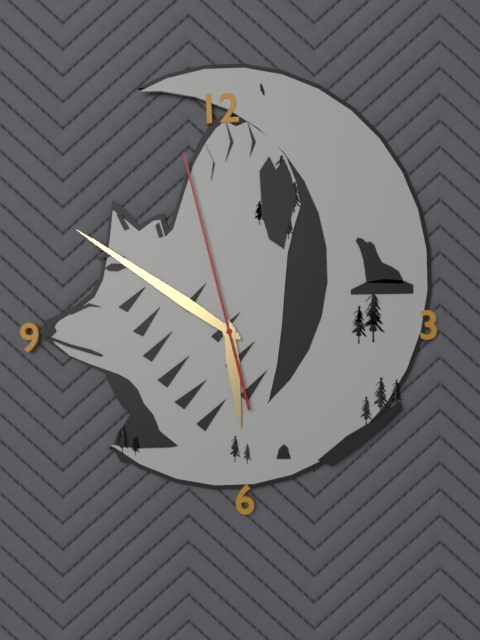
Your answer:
{"hour": 5, "minute": 51, "second": 58}
